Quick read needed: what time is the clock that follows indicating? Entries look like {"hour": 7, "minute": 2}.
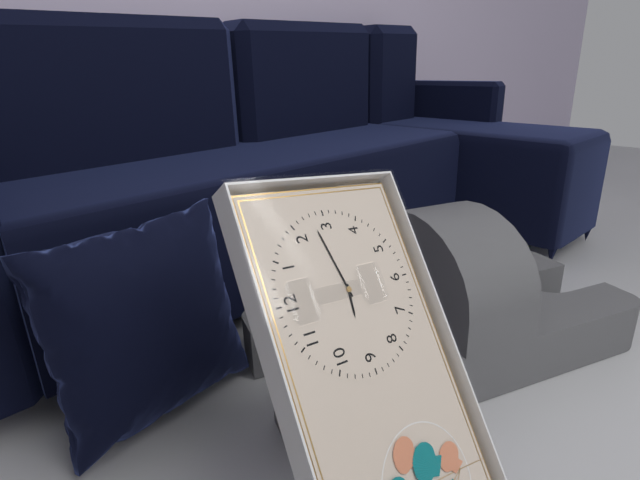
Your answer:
{"hour": 9, "minute": 13}
